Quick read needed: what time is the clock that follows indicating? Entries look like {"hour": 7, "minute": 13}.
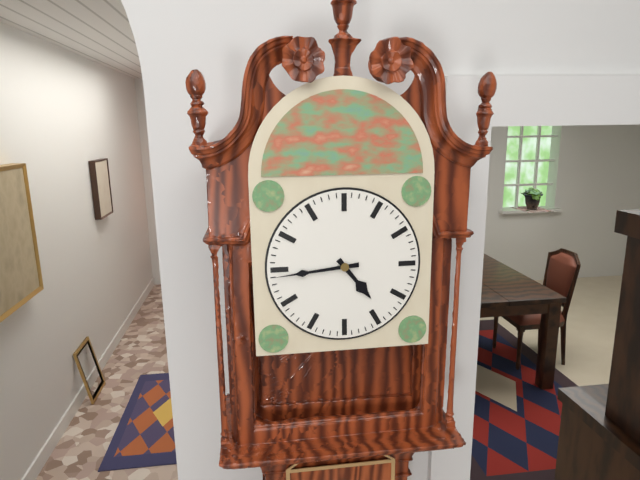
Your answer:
{"hour": 4, "minute": 44}
